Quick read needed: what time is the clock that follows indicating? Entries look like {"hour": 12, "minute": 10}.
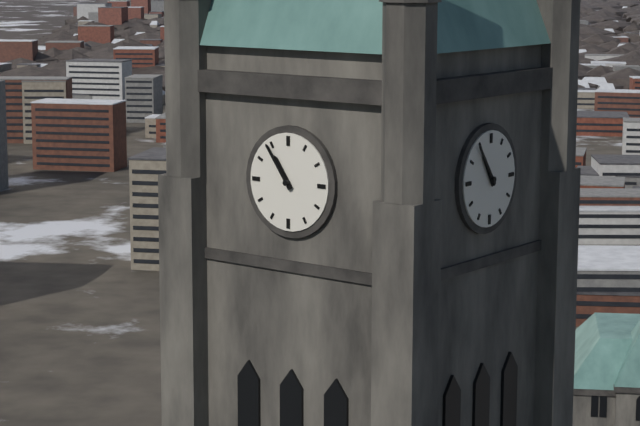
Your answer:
{"hour": 10, "minute": 54}
